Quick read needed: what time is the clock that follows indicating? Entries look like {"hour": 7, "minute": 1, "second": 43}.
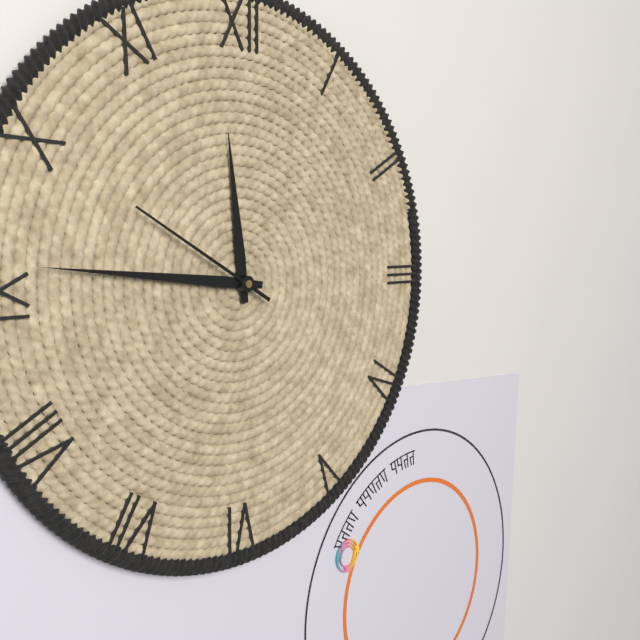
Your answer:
{"hour": 11, "minute": 46, "second": 50}
